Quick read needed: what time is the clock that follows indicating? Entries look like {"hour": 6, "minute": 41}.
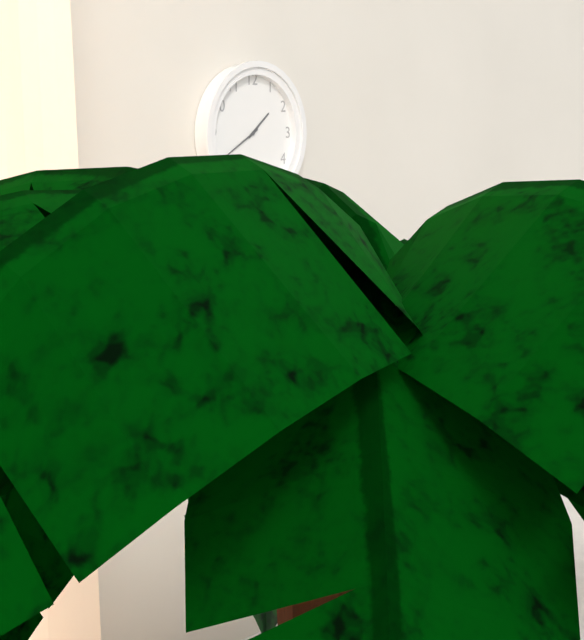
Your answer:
{"hour": 1, "minute": 40}
